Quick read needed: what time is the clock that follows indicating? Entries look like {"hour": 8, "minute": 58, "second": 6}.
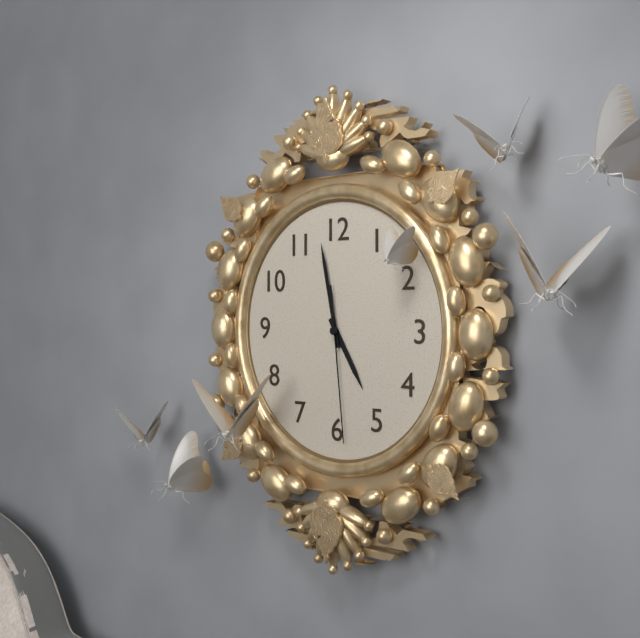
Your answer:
{"hour": 4, "minute": 58, "second": 29}
